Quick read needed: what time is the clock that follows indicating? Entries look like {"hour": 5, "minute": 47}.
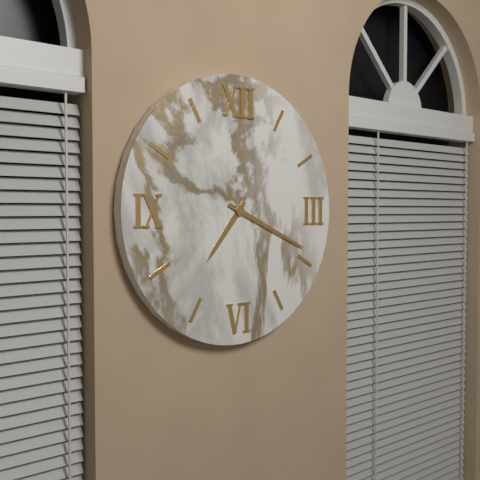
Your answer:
{"hour": 7, "minute": 19}
